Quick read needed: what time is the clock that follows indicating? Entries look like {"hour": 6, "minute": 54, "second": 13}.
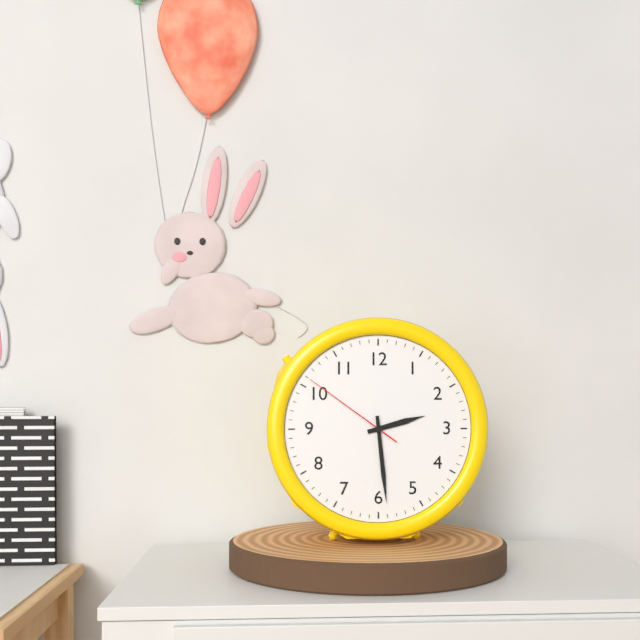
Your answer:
{"hour": 2, "minute": 29, "second": 51}
